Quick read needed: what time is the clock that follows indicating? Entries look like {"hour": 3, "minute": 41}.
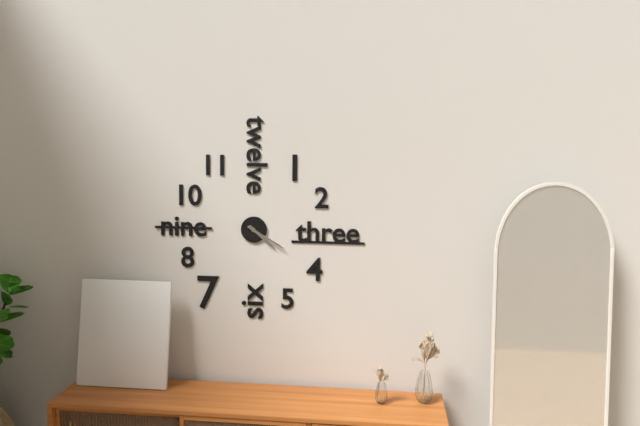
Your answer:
{"hour": 4, "minute": 20}
